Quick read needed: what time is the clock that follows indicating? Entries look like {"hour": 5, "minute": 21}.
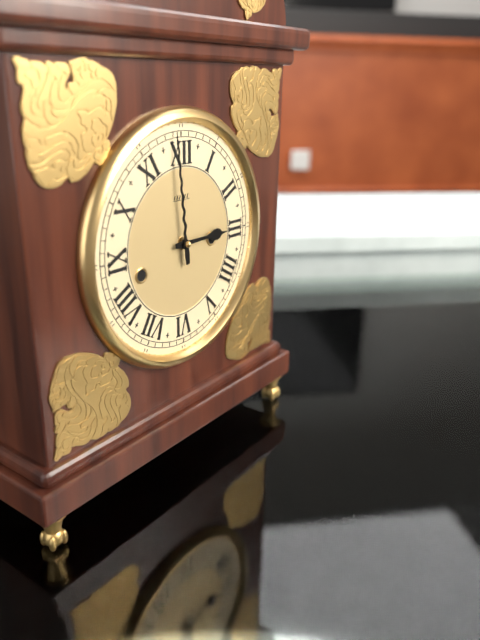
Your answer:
{"hour": 2, "minute": 59}
